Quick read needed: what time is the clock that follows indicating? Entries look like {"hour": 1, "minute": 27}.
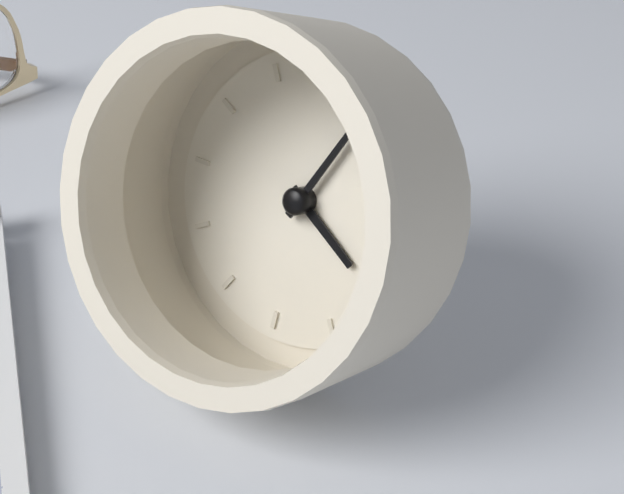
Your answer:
{"hour": 4, "minute": 4}
